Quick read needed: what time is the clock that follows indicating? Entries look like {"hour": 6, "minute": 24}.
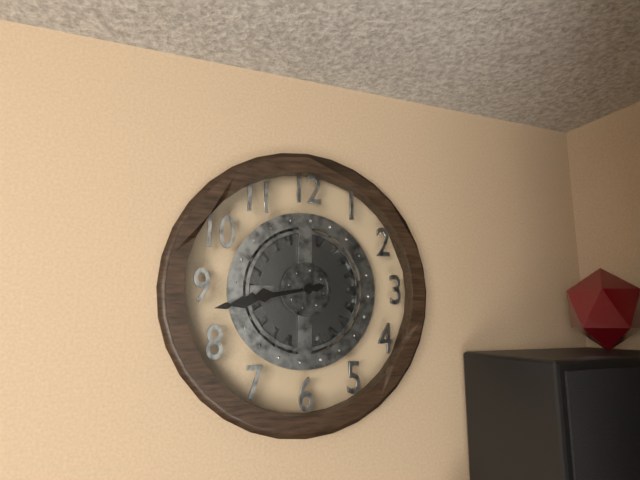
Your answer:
{"hour": 8, "minute": 43}
